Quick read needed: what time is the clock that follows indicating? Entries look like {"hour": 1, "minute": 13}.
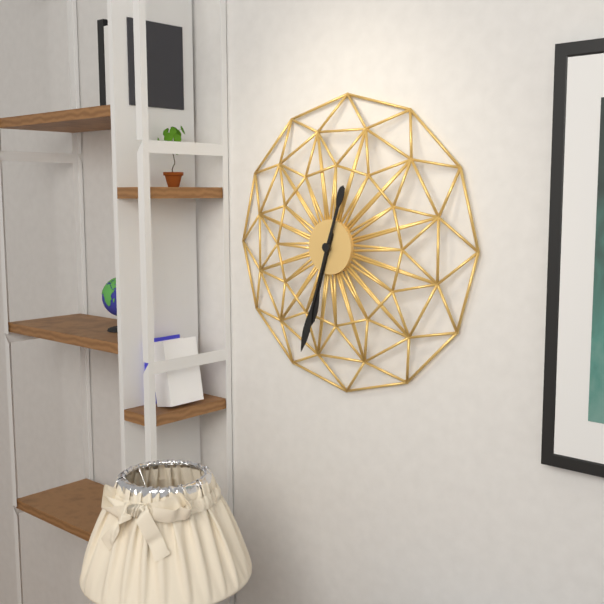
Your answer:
{"hour": 6, "minute": 33}
